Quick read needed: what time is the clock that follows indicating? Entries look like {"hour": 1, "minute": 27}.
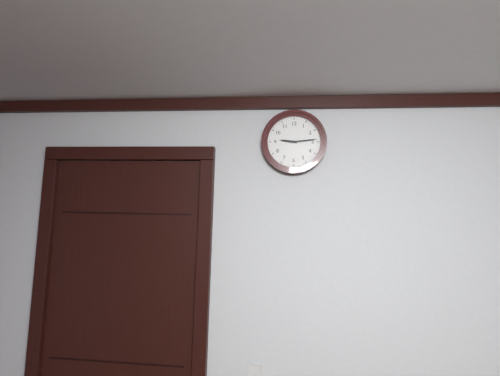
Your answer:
{"hour": 9, "minute": 14}
